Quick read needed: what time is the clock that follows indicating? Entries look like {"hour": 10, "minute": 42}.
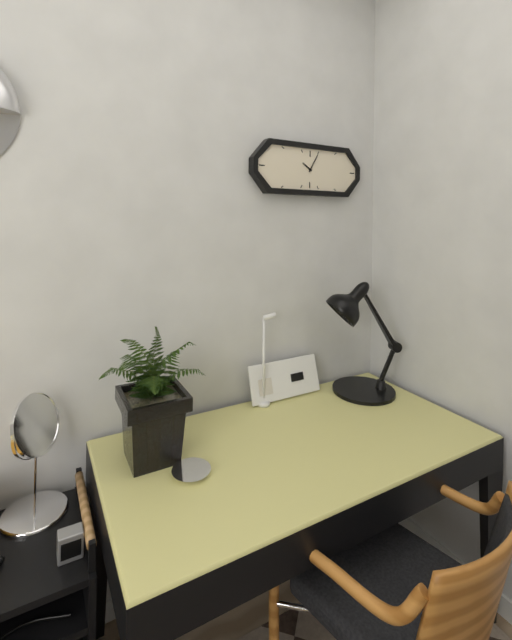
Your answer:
{"hour": 10, "minute": 5}
